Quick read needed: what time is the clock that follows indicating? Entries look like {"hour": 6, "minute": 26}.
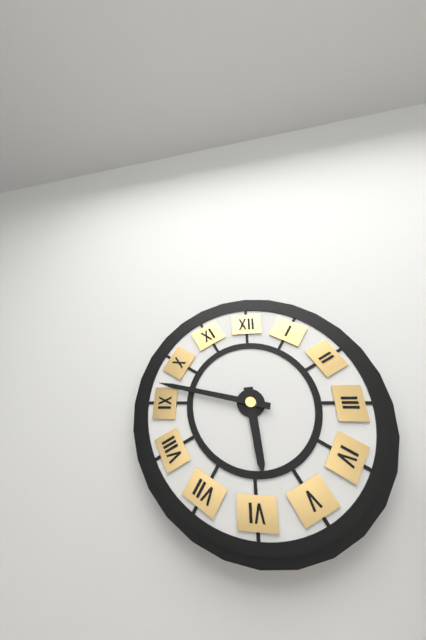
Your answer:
{"hour": 5, "minute": 47}
